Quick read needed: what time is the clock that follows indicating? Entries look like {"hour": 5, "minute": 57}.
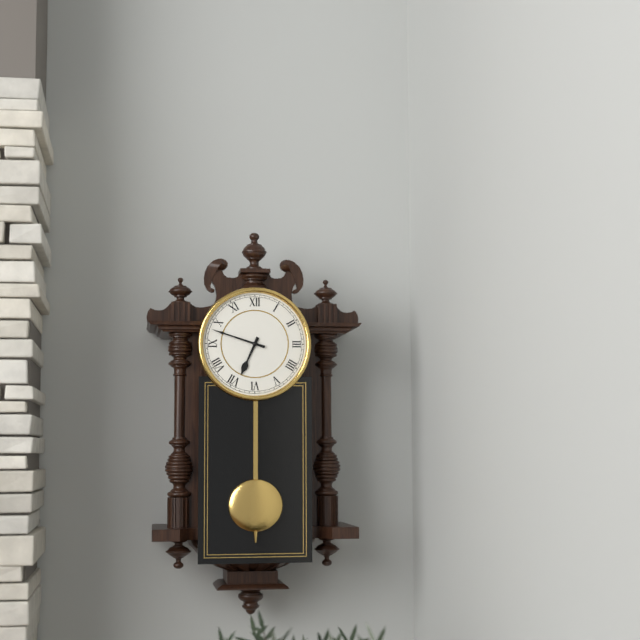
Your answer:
{"hour": 6, "minute": 48}
